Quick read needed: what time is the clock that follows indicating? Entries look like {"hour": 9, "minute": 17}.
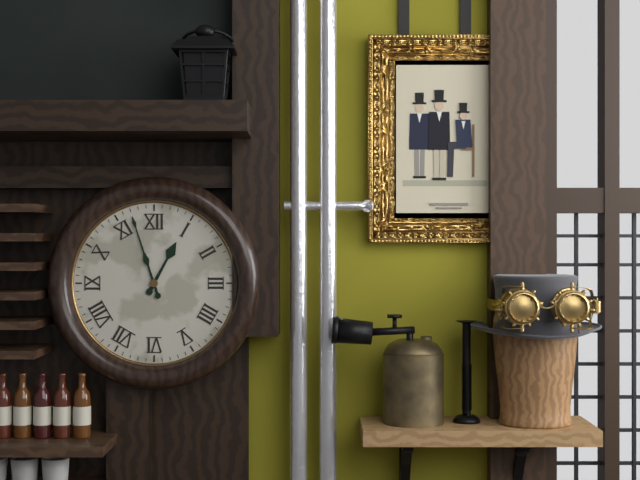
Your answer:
{"hour": 12, "minute": 57}
